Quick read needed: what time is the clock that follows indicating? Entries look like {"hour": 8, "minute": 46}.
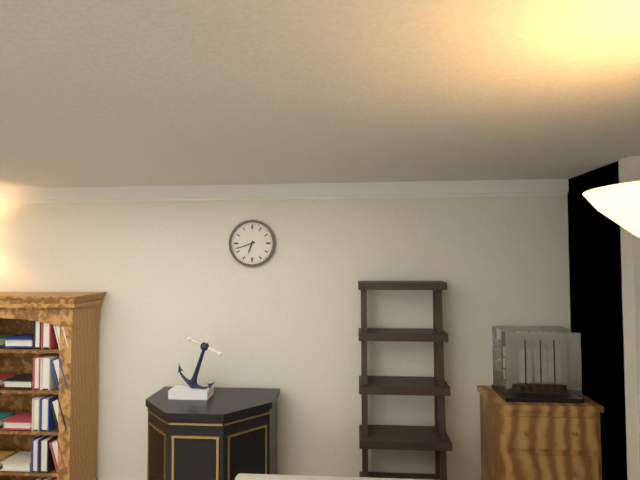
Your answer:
{"hour": 6, "minute": 42}
